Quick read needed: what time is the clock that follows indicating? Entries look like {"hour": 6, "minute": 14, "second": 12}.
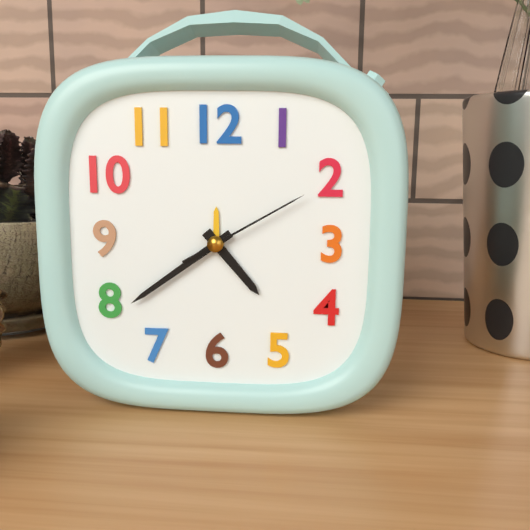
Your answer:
{"hour": 4, "minute": 39, "second": 10}
